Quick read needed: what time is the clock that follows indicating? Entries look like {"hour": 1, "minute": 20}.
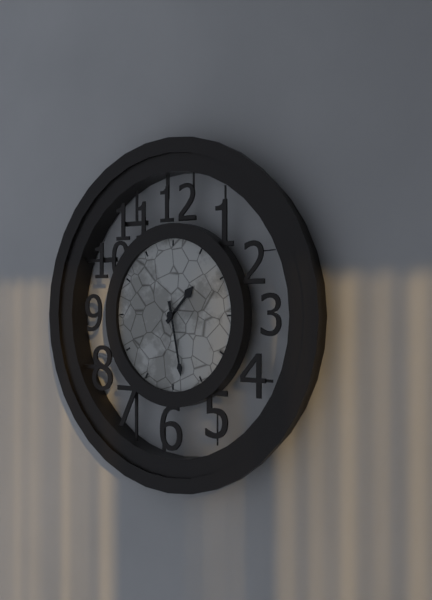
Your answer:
{"hour": 1, "minute": 28}
